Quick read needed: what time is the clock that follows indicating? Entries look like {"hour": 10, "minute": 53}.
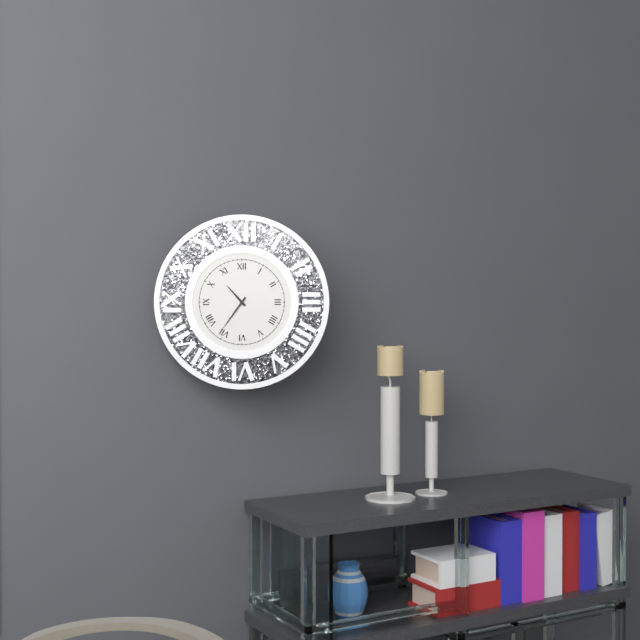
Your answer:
{"hour": 10, "minute": 36}
